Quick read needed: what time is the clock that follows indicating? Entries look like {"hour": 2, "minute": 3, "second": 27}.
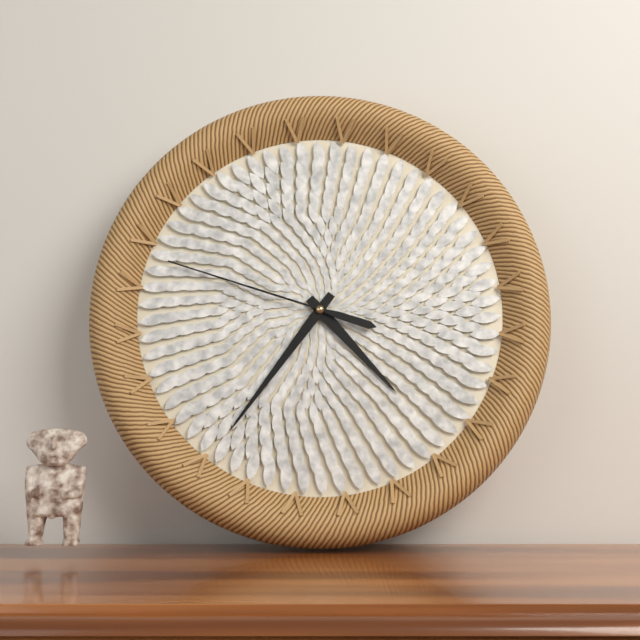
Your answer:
{"hour": 4, "minute": 36, "second": 48}
